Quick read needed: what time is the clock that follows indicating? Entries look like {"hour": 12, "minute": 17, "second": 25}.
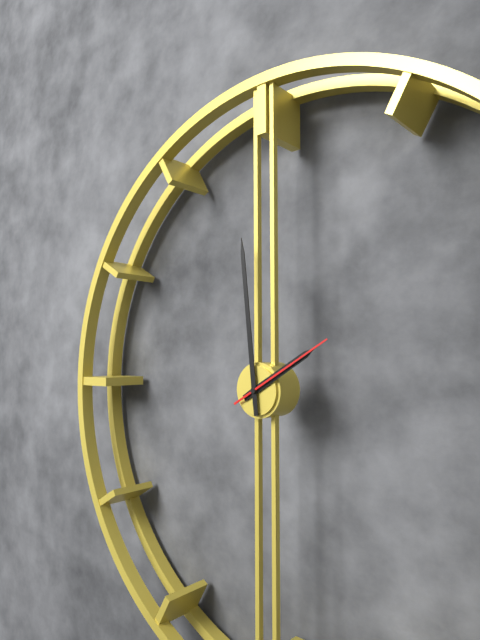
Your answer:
{"hour": 1, "minute": 59, "second": 10}
